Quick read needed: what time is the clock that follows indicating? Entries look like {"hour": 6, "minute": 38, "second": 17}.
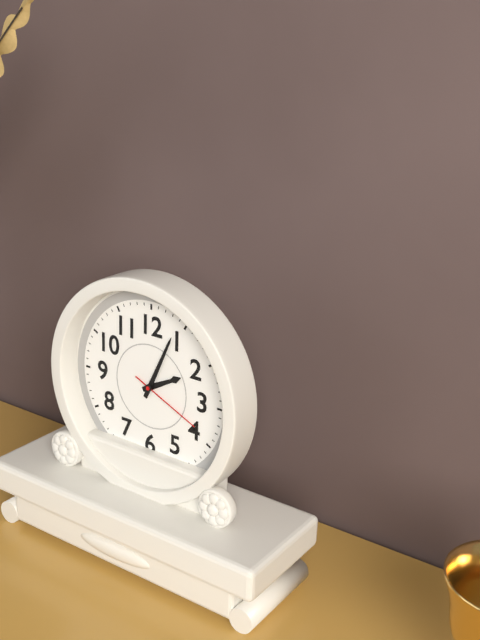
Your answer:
{"hour": 2, "minute": 4, "second": 19}
